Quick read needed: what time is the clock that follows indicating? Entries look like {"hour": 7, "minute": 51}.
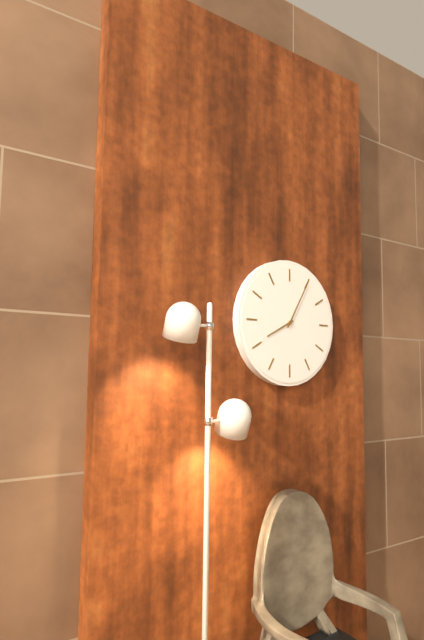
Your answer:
{"hour": 8, "minute": 5}
